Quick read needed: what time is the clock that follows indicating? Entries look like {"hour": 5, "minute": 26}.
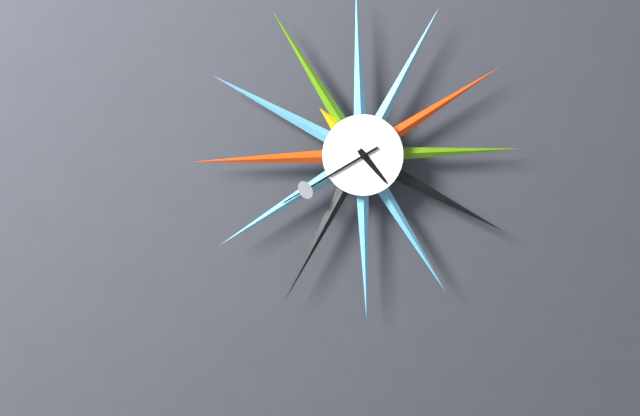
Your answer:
{"hour": 4, "minute": 40}
